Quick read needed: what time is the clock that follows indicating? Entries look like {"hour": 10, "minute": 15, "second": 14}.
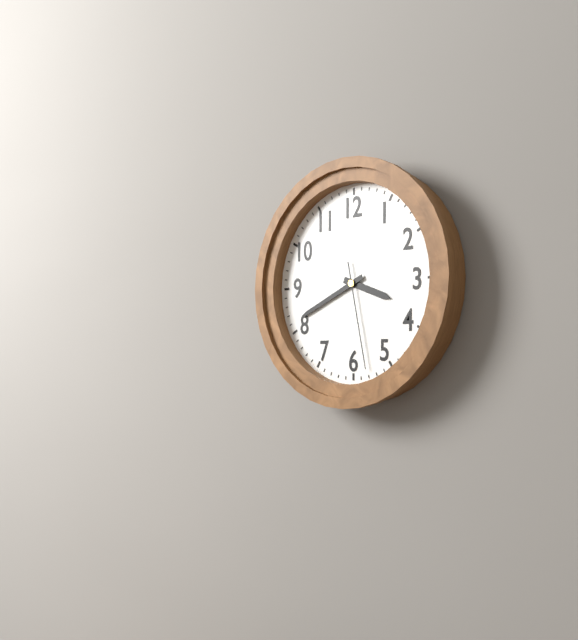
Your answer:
{"hour": 3, "minute": 41, "second": 28}
